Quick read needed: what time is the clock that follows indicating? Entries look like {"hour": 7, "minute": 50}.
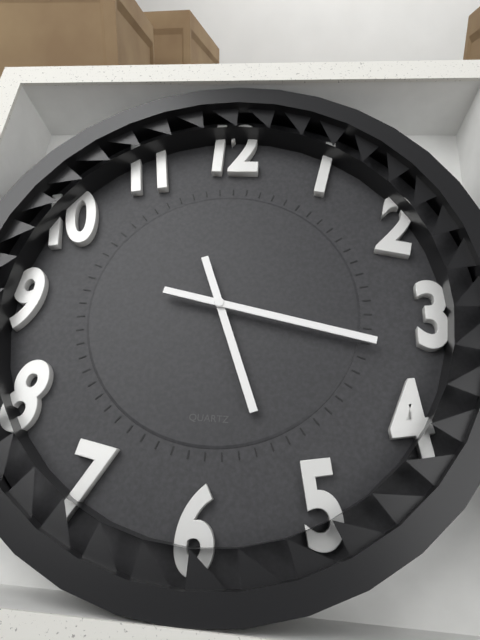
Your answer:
{"hour": 5, "minute": 17}
